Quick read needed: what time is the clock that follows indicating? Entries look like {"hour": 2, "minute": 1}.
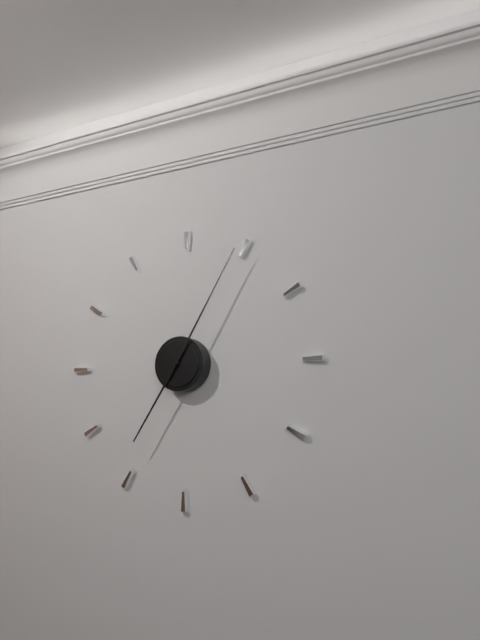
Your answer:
{"hour": 7, "minute": 5}
